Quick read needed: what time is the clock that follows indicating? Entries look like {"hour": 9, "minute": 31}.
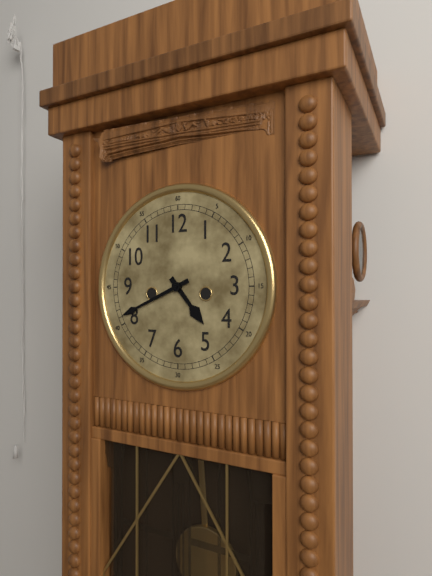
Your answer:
{"hour": 4, "minute": 41}
